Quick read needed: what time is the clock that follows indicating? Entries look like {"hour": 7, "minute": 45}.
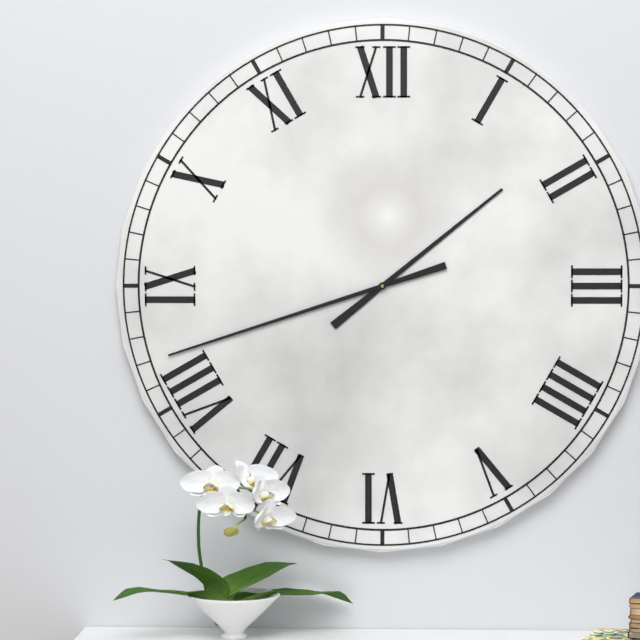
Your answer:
{"hour": 1, "minute": 42}
